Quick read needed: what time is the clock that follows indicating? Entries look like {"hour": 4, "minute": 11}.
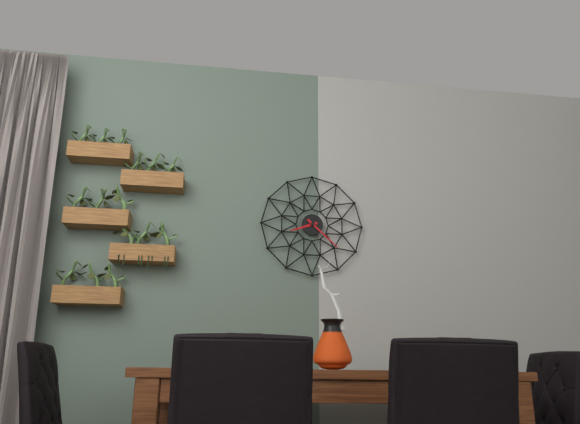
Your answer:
{"hour": 8, "minute": 22}
